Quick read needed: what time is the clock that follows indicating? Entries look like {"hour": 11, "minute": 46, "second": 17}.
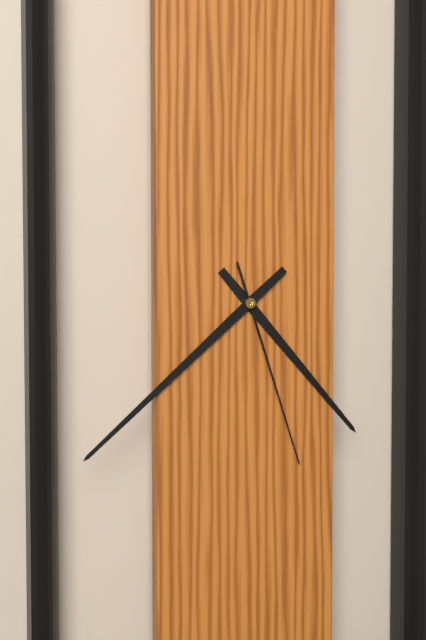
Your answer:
{"hour": 4, "minute": 38, "second": 27}
